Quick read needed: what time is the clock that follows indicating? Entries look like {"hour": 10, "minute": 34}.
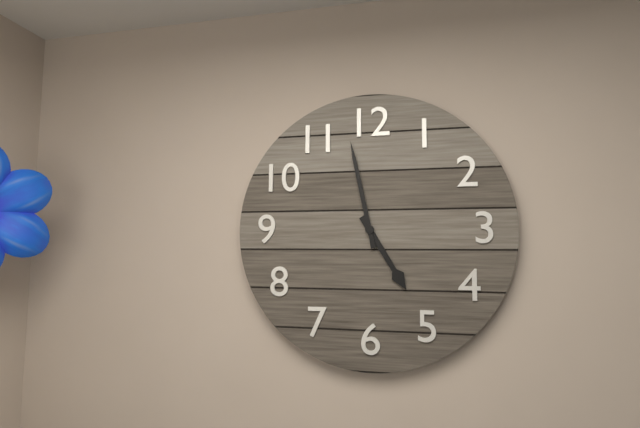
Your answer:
{"hour": 4, "minute": 58}
